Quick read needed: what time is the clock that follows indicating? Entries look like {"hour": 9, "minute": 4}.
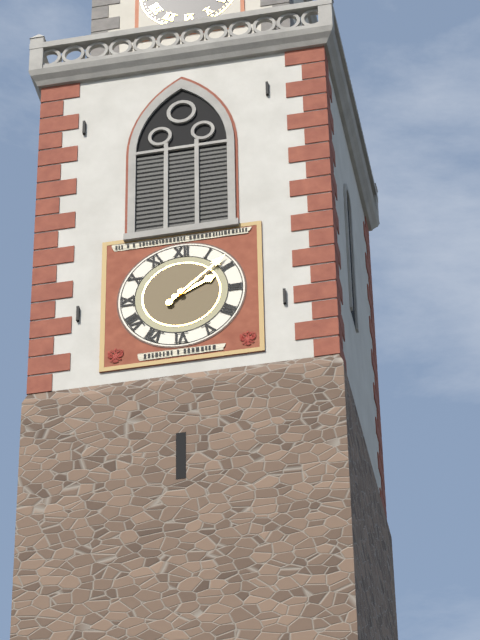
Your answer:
{"hour": 2, "minute": 8}
